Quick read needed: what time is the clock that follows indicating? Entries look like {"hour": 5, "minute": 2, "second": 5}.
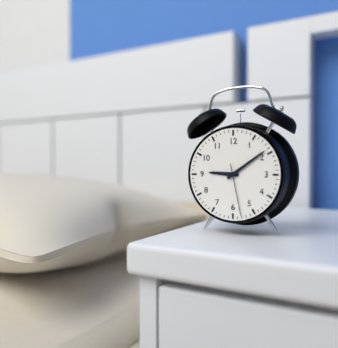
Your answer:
{"hour": 9, "minute": 9, "second": 28}
